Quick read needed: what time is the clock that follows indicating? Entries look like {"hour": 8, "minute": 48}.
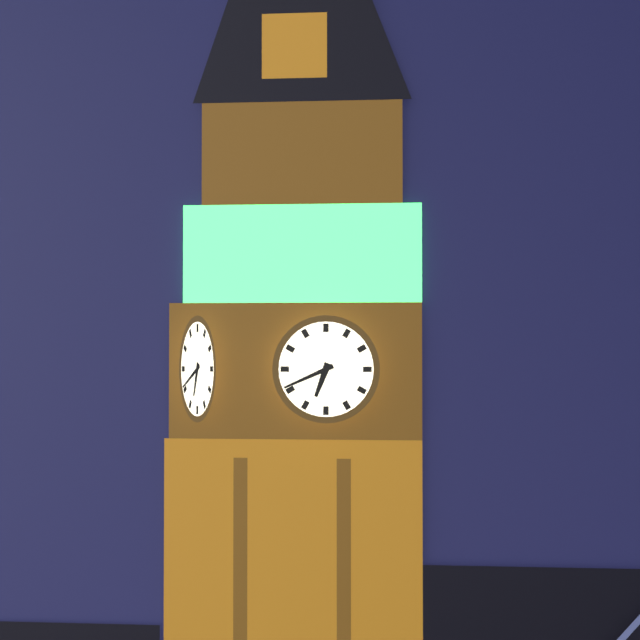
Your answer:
{"hour": 6, "minute": 41}
